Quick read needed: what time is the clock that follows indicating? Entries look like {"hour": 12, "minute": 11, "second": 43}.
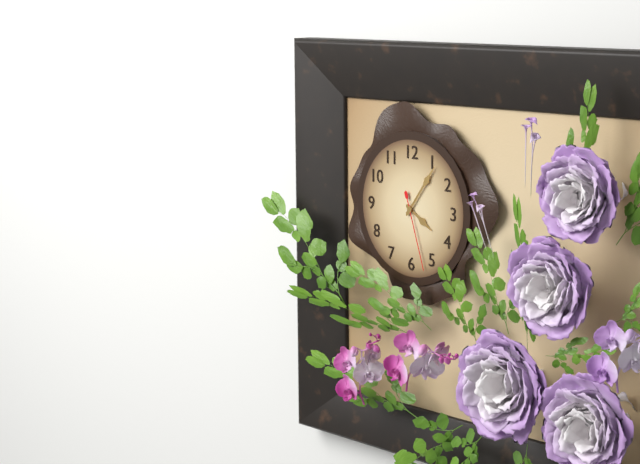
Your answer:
{"hour": 4, "minute": 6, "second": 27}
